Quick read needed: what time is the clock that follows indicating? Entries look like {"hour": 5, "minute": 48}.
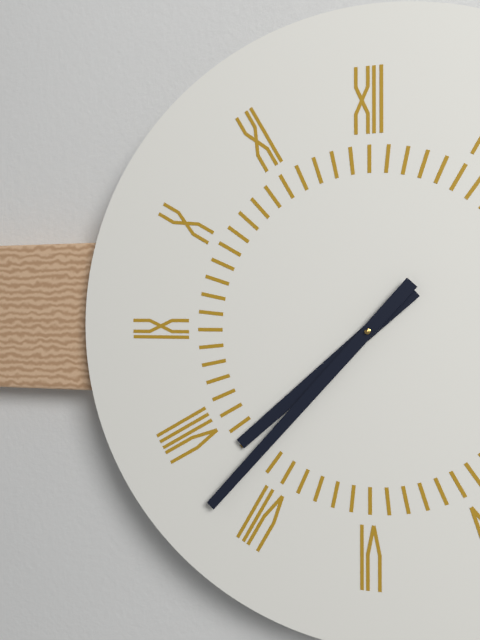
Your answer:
{"hour": 7, "minute": 37}
